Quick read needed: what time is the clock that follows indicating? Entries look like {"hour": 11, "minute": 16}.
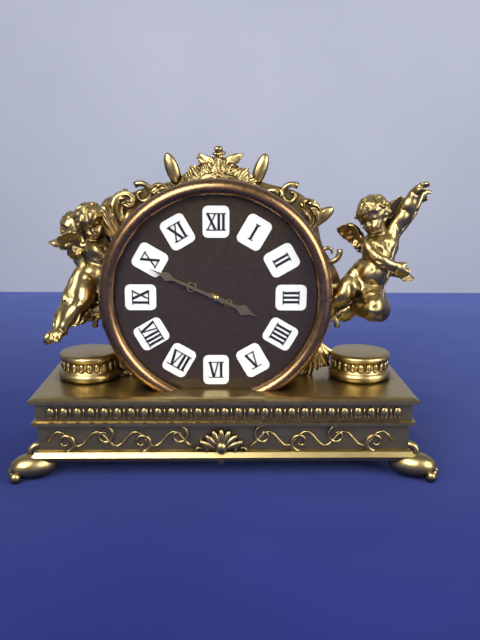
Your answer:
{"hour": 3, "minute": 49}
